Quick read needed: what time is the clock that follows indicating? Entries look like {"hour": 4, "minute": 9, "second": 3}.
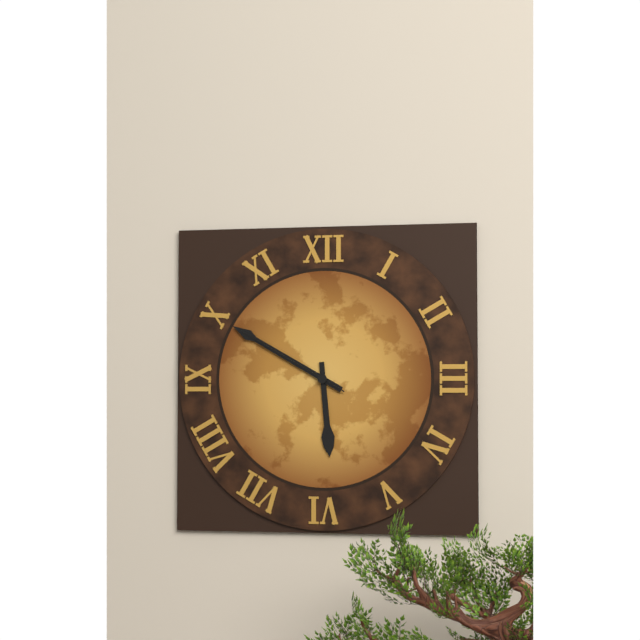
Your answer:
{"hour": 5, "minute": 50, "second": 50}
